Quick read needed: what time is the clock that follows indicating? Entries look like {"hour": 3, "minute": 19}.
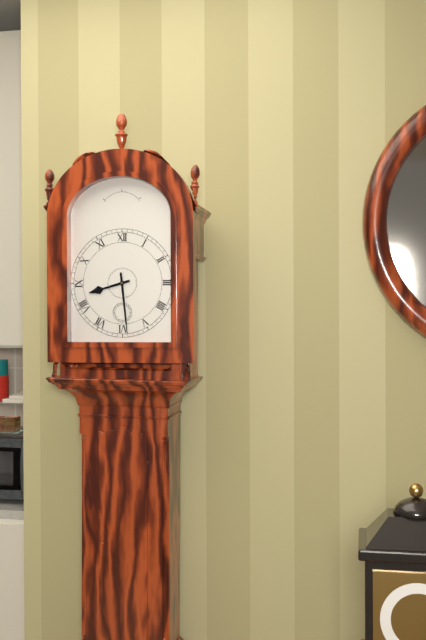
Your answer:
{"hour": 8, "minute": 29}
